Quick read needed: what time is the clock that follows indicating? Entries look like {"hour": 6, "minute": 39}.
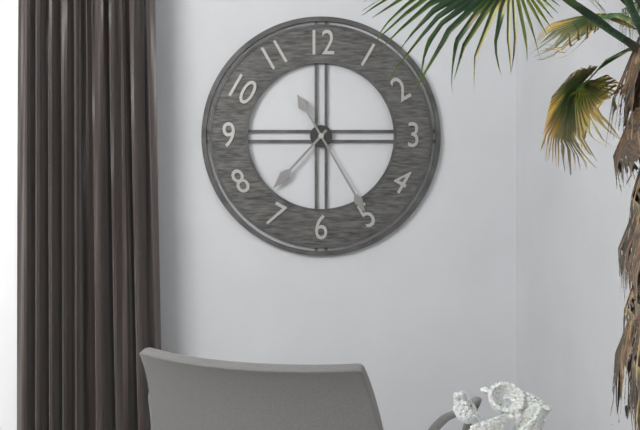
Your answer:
{"hour": 7, "minute": 25}
